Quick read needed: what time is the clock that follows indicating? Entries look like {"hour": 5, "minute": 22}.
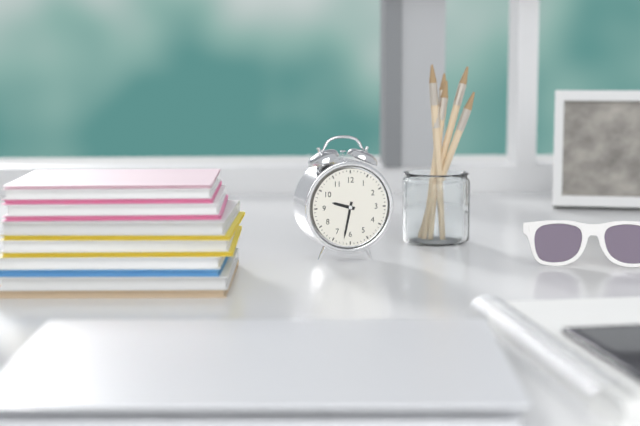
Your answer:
{"hour": 9, "minute": 32}
